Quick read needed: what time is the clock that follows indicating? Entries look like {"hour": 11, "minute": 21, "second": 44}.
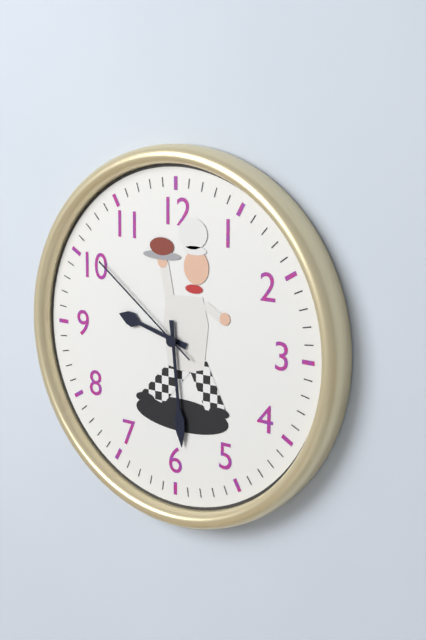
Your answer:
{"hour": 9, "minute": 29, "second": 51}
